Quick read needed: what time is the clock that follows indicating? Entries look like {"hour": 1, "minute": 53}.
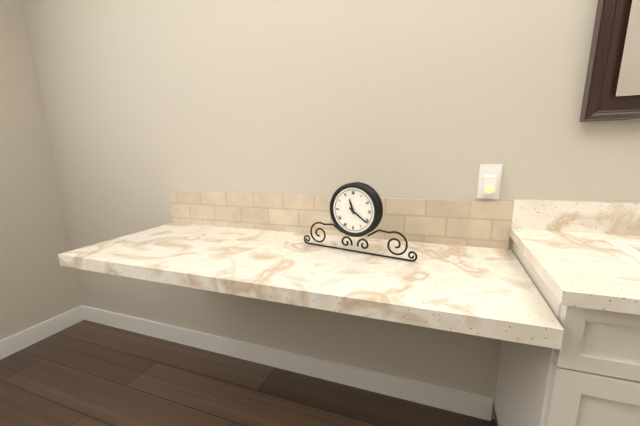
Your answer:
{"hour": 11, "minute": 21}
